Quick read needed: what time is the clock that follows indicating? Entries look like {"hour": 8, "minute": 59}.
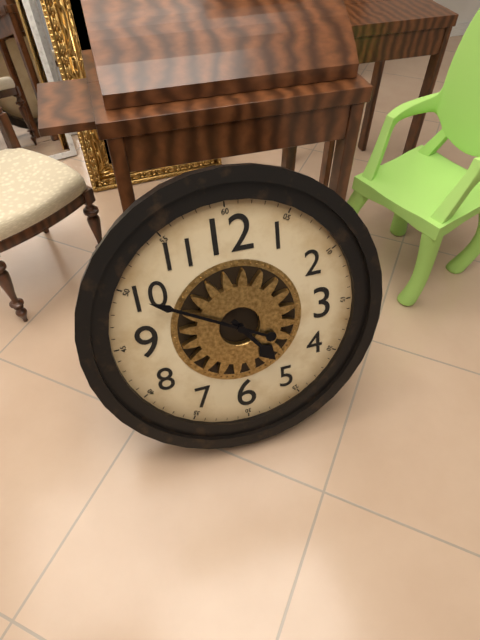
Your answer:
{"hour": 4, "minute": 50}
